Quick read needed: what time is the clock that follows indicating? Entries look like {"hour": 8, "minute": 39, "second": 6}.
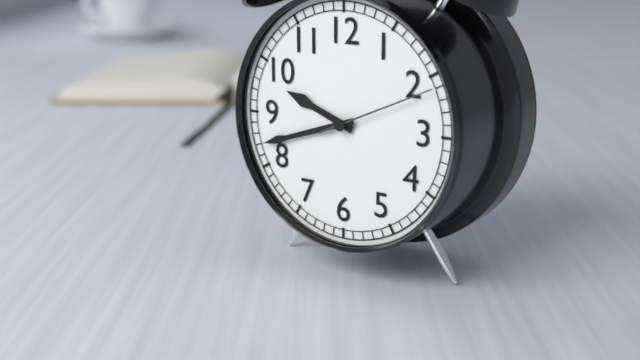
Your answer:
{"hour": 9, "minute": 42, "second": 11}
